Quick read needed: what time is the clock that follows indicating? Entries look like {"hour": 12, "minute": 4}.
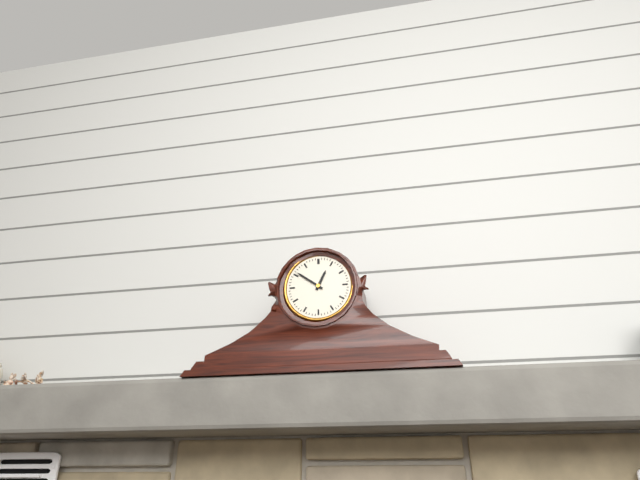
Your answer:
{"hour": 12, "minute": 51}
